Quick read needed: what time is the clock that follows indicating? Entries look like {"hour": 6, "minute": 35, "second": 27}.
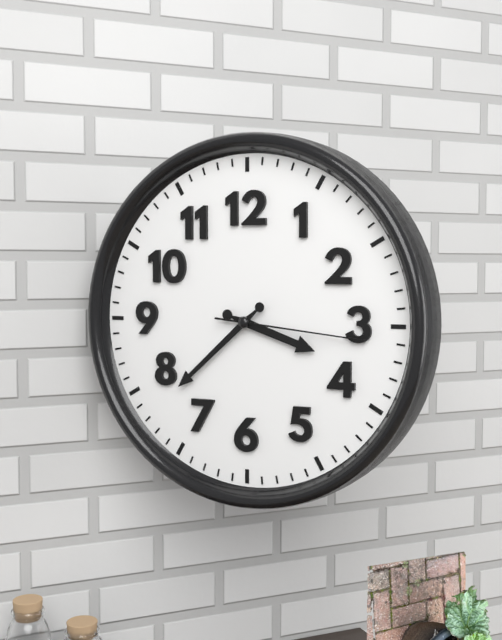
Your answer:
{"hour": 3, "minute": 38, "second": 16}
